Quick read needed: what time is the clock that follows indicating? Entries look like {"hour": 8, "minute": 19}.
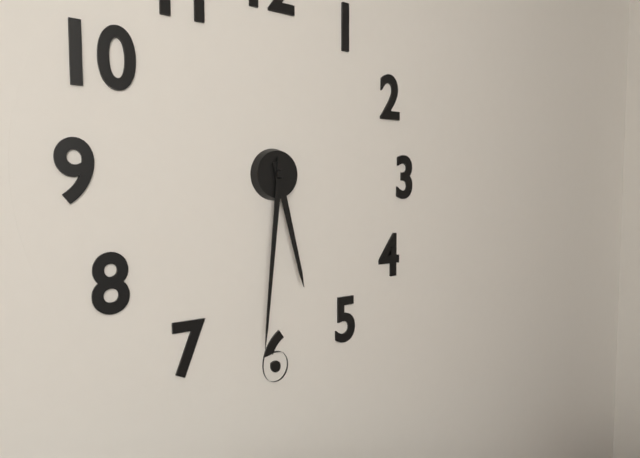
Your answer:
{"hour": 5, "minute": 31}
